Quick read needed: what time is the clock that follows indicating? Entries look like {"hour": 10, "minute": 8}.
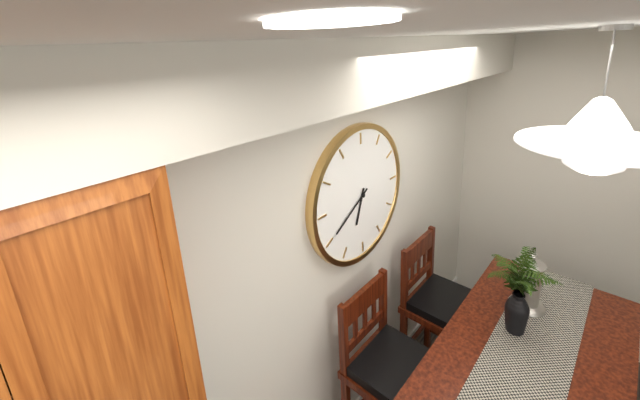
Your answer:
{"hour": 6, "minute": 40}
